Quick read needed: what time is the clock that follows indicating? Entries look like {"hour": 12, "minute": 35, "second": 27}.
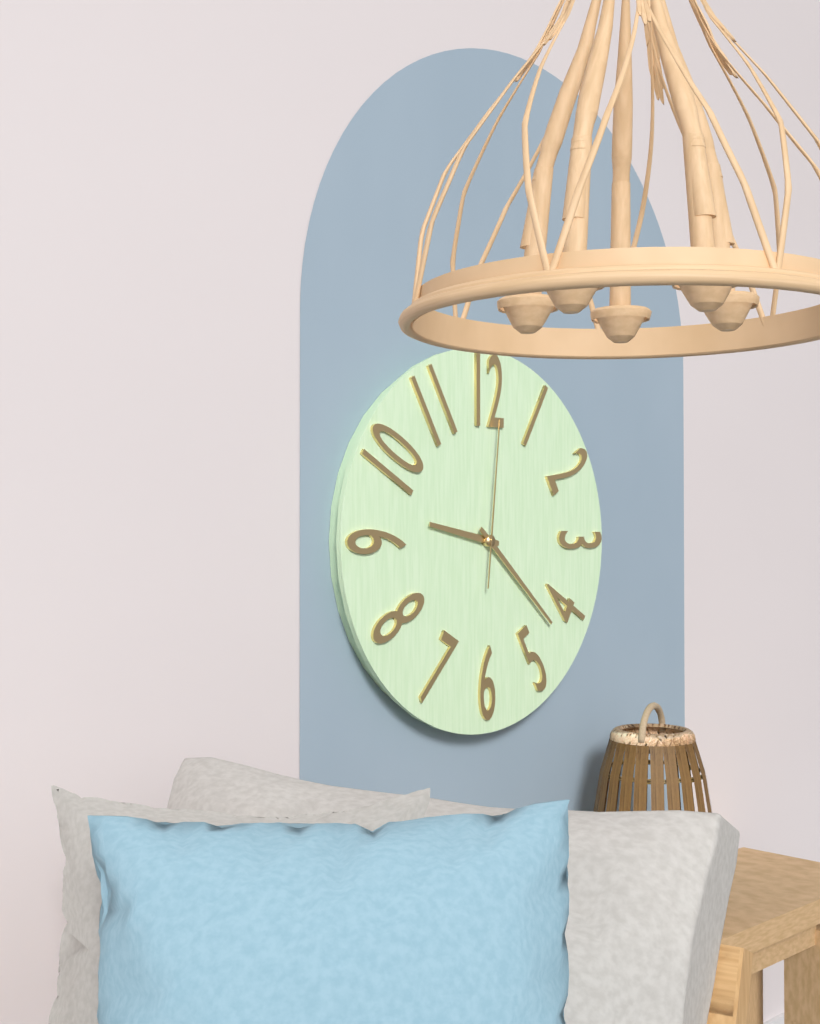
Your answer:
{"hour": 9, "minute": 22, "second": 1}
